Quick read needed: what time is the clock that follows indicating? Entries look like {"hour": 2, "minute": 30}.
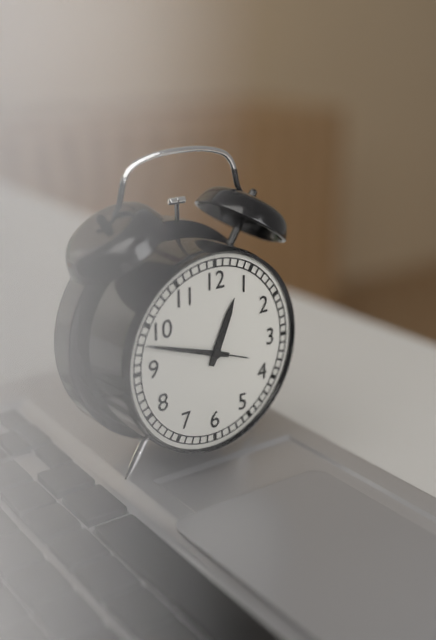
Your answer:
{"hour": 12, "minute": 48}
